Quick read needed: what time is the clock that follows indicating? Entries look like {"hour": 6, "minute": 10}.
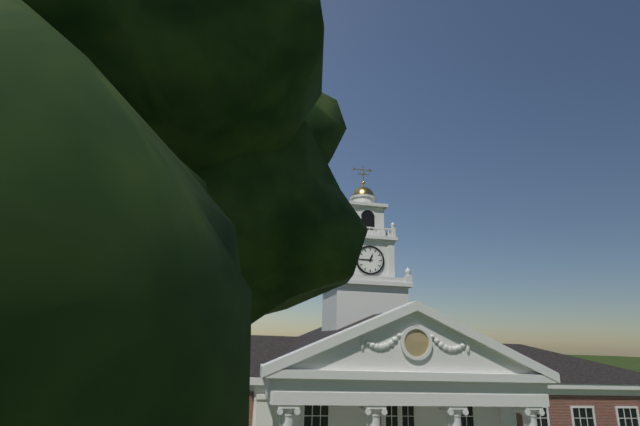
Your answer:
{"hour": 12, "minute": 45}
